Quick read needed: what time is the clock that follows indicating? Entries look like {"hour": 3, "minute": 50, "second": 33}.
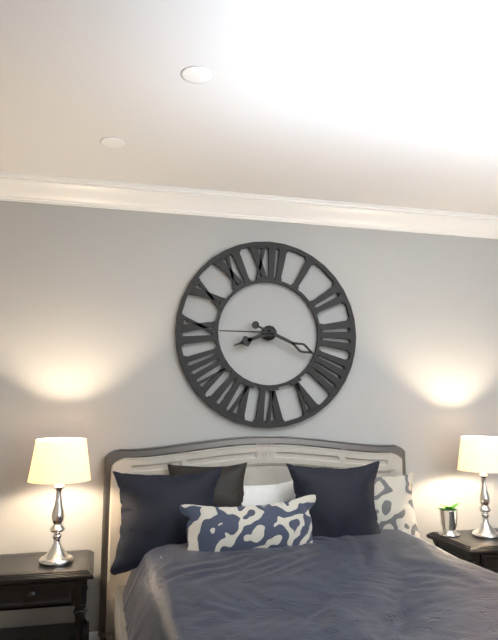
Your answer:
{"hour": 8, "minute": 19, "second": 45}
